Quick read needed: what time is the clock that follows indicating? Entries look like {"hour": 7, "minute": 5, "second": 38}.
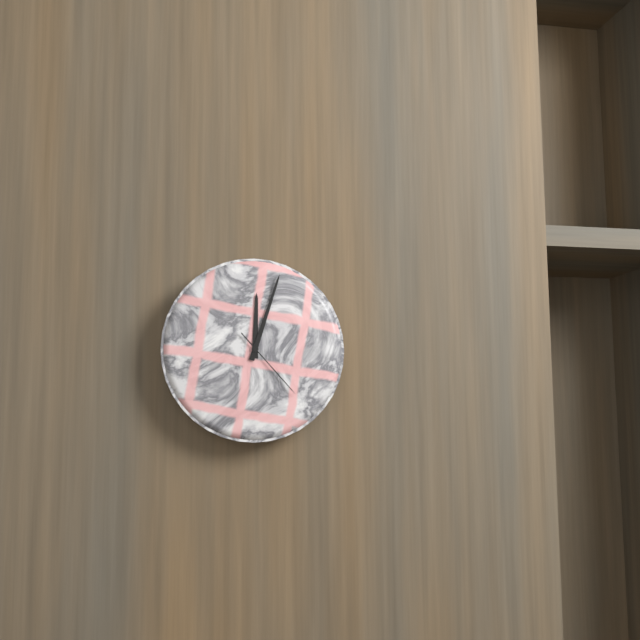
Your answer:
{"hour": 12, "minute": 3, "second": 23}
